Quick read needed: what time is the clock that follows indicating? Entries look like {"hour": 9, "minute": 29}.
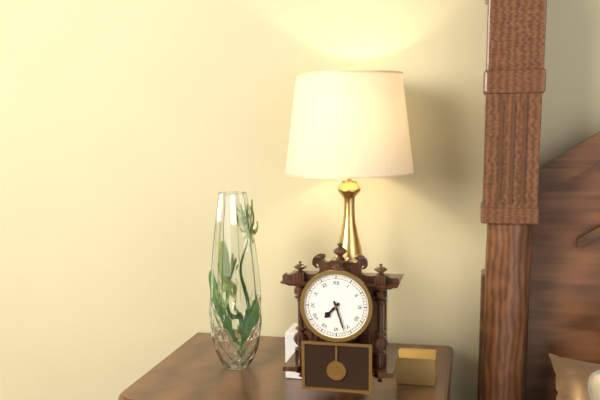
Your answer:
{"hour": 7, "minute": 27}
